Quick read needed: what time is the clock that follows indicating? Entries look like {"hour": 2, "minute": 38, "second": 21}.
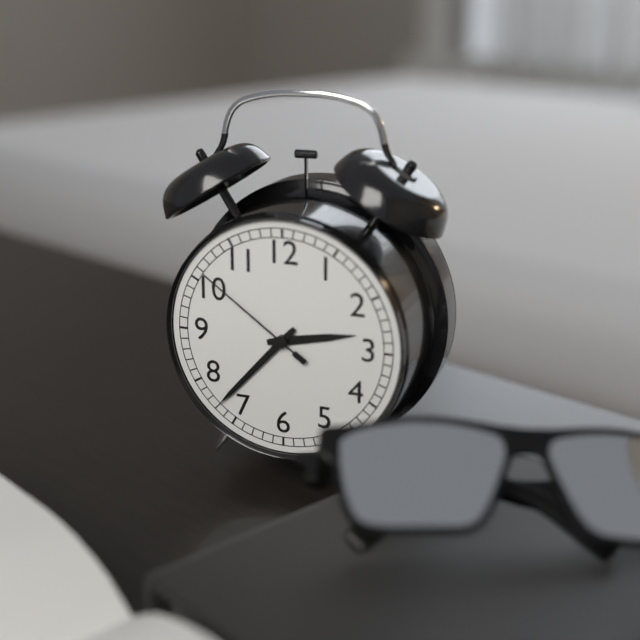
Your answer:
{"hour": 2, "minute": 37, "second": 51}
